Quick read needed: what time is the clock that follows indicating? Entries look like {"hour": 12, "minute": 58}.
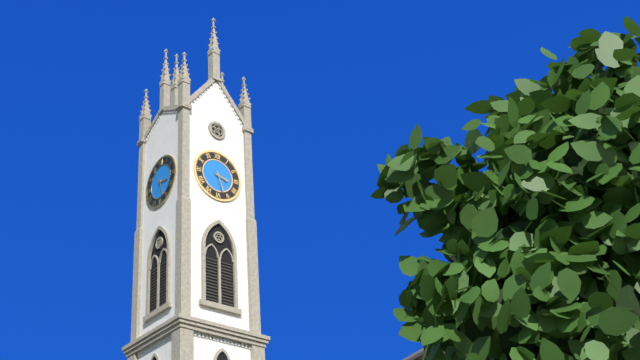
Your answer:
{"hour": 3, "minute": 27}
